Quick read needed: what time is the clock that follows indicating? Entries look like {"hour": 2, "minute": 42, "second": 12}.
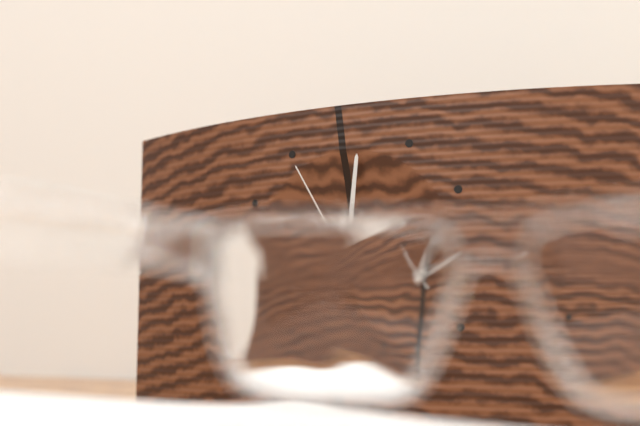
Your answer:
{"hour": 2, "minute": 1, "second": 55}
